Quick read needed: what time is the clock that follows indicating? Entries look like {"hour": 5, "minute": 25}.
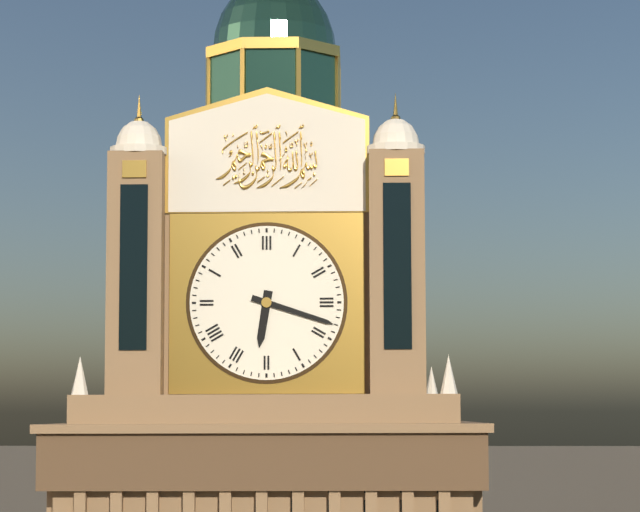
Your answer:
{"hour": 6, "minute": 18}
